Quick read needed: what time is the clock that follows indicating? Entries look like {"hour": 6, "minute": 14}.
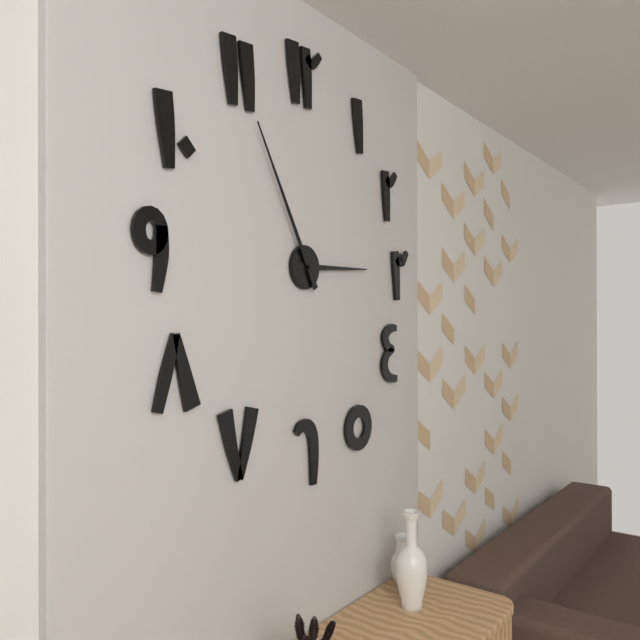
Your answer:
{"hour": 2, "minute": 55}
